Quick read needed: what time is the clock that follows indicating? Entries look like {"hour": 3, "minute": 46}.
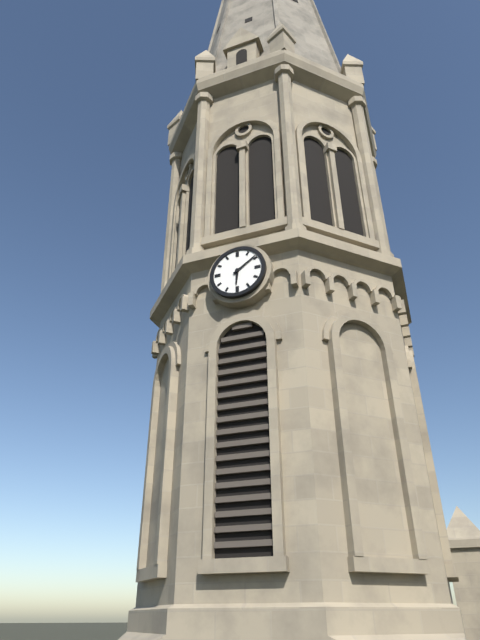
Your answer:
{"hour": 6, "minute": 9}
